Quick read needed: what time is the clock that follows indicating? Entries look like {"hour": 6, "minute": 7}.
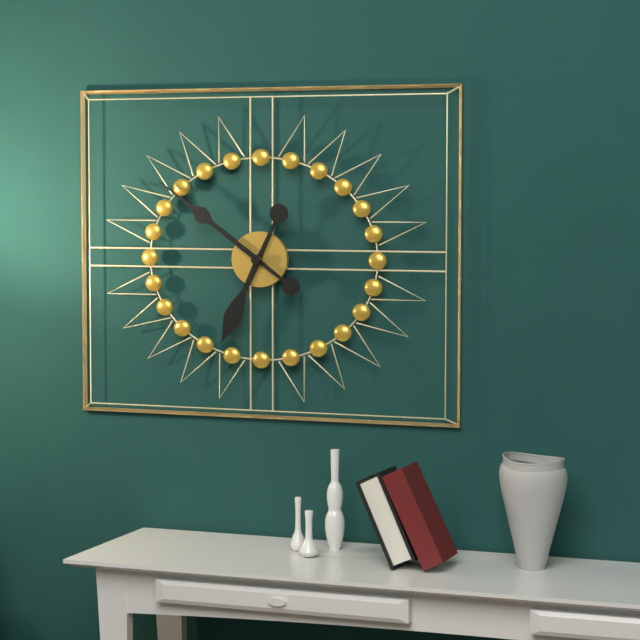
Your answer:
{"hour": 6, "minute": 51}
